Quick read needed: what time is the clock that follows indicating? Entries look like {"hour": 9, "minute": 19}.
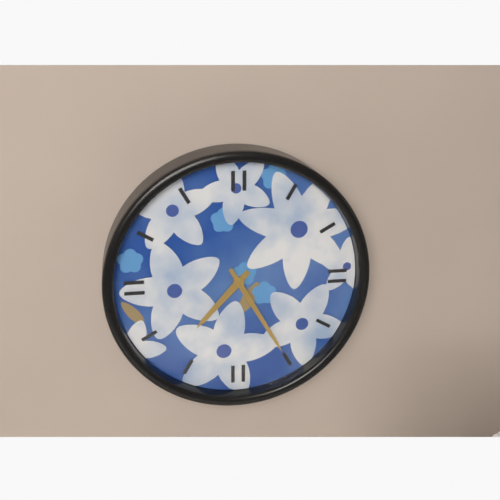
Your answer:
{"hour": 7, "minute": 25}
